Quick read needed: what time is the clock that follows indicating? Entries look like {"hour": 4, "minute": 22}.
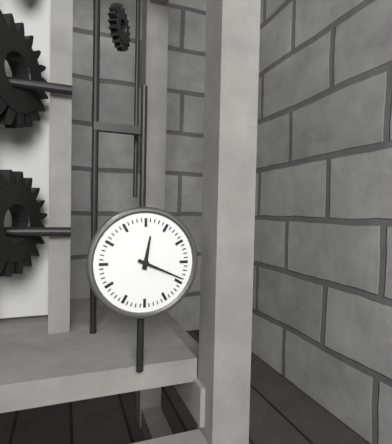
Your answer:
{"hour": 12, "minute": 19}
